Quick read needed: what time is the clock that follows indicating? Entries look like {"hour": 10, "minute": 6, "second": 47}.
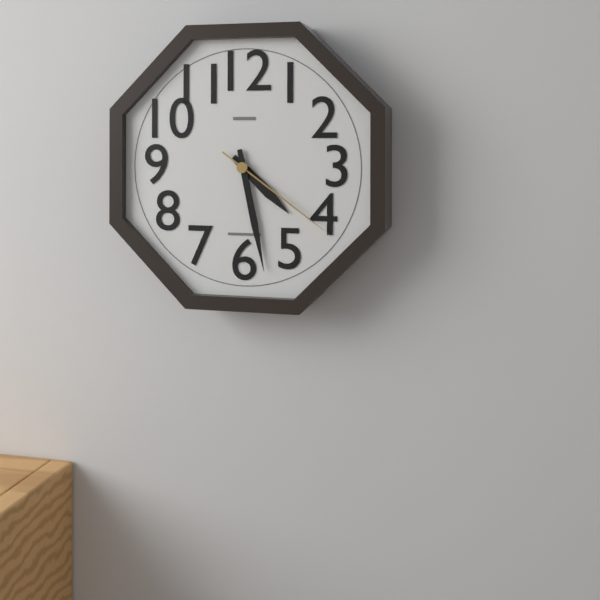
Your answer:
{"hour": 4, "minute": 28, "second": 21}
